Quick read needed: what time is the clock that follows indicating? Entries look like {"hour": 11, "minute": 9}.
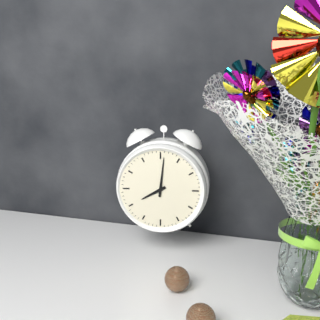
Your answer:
{"hour": 8, "minute": 1}
